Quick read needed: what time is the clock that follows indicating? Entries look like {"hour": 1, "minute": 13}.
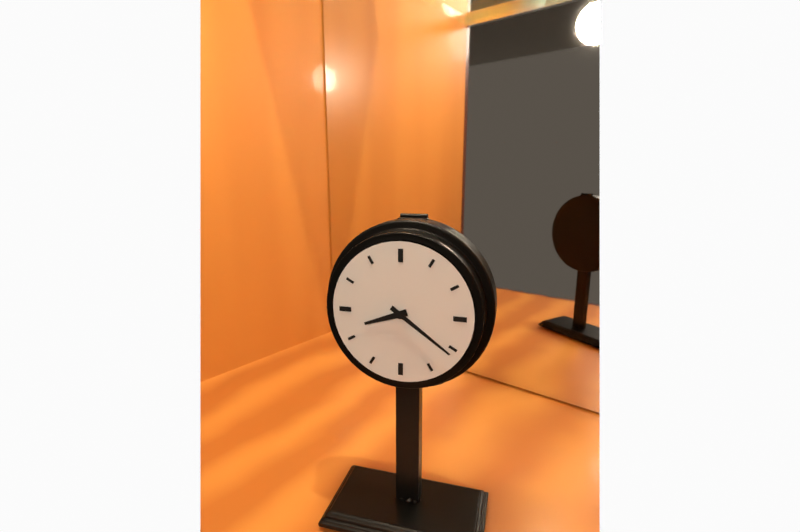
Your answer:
{"hour": 8, "minute": 21}
